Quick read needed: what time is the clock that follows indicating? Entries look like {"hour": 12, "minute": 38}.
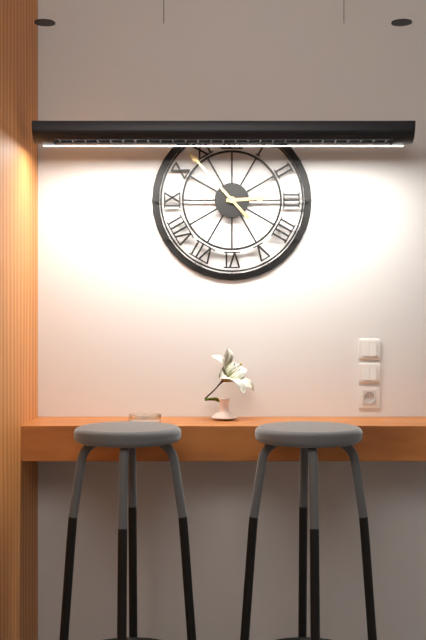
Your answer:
{"hour": 2, "minute": 53}
